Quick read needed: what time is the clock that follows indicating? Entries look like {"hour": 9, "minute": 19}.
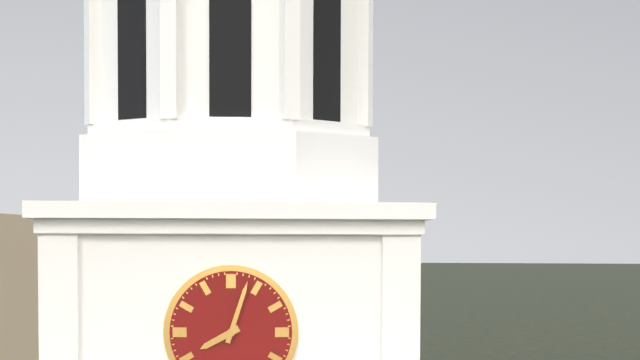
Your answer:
{"hour": 8, "minute": 3}
